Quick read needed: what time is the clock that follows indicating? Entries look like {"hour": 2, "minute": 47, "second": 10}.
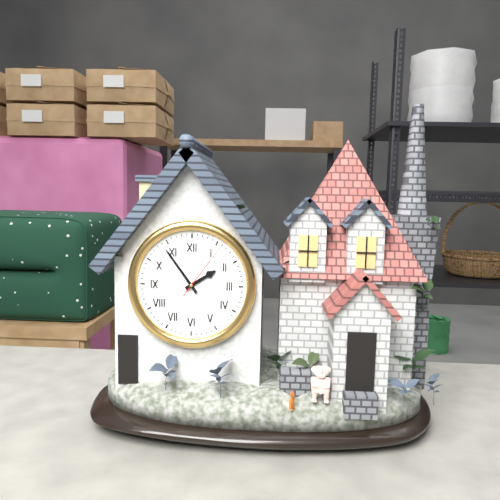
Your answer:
{"hour": 1, "minute": 54, "second": 6}
